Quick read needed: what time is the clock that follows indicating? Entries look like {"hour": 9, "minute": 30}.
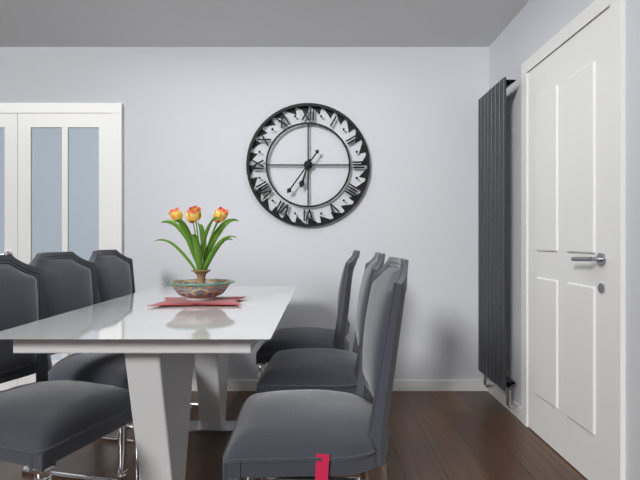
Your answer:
{"hour": 6, "minute": 36}
